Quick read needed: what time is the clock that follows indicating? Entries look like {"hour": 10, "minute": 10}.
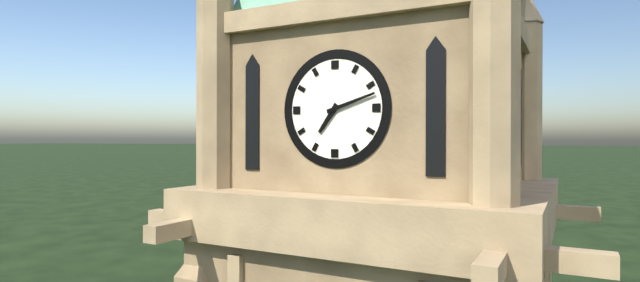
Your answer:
{"hour": 7, "minute": 12}
